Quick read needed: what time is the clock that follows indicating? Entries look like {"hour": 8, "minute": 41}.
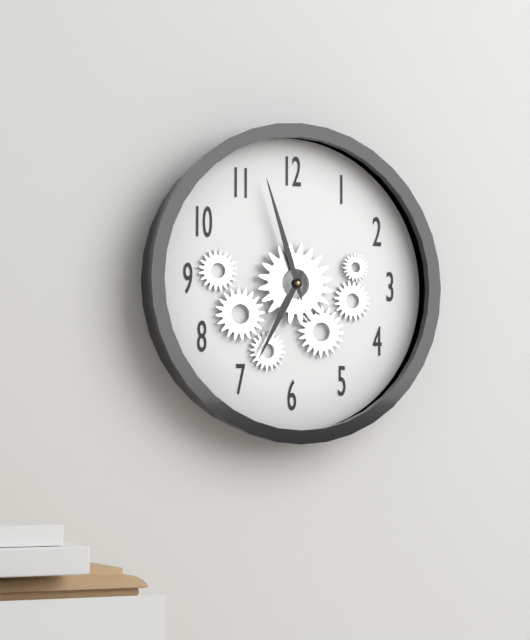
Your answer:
{"hour": 6, "minute": 57}
